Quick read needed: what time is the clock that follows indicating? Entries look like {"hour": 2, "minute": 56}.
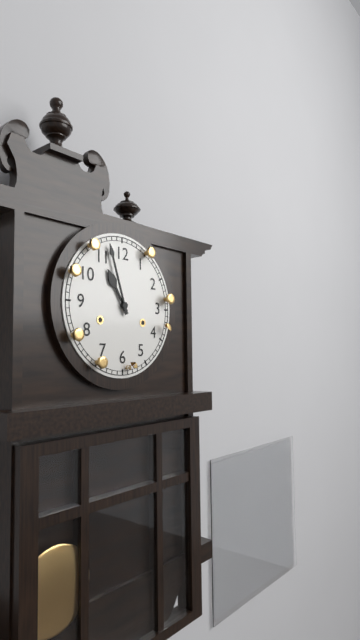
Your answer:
{"hour": 10, "minute": 57}
